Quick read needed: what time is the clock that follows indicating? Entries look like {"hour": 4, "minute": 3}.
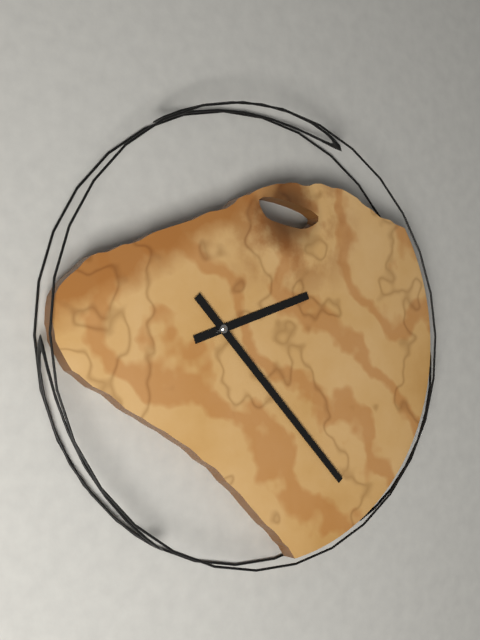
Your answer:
{"hour": 2, "minute": 23}
